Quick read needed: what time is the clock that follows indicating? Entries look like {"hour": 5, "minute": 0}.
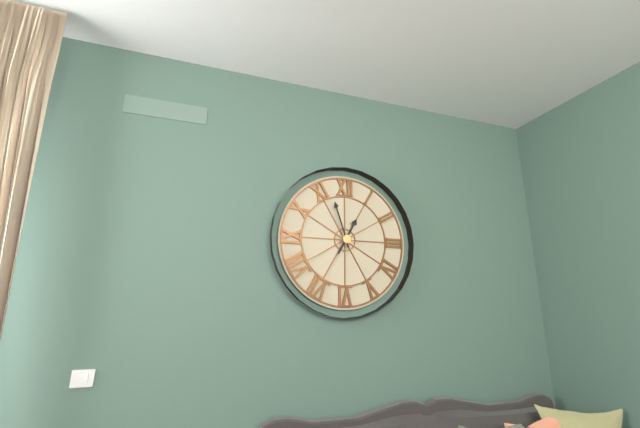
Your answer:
{"hour": 12, "minute": 57}
